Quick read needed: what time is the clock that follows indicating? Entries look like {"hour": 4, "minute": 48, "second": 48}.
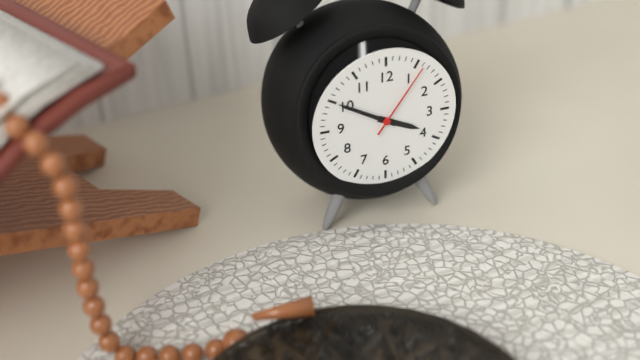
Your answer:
{"hour": 3, "minute": 50, "second": 6}
